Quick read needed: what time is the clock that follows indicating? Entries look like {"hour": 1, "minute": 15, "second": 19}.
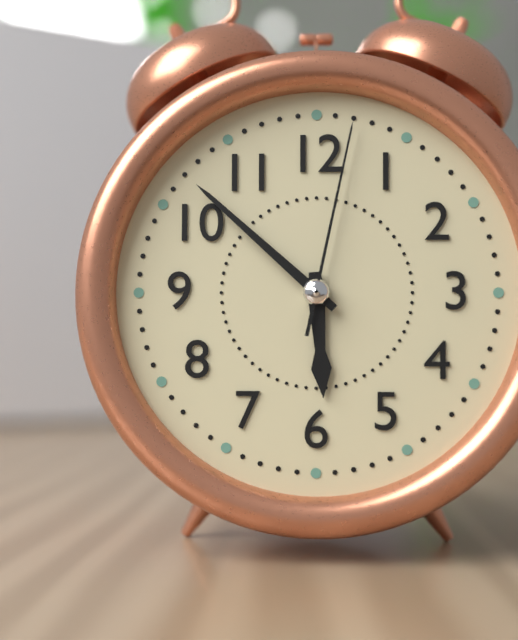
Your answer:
{"hour": 5, "minute": 52, "second": 2}
